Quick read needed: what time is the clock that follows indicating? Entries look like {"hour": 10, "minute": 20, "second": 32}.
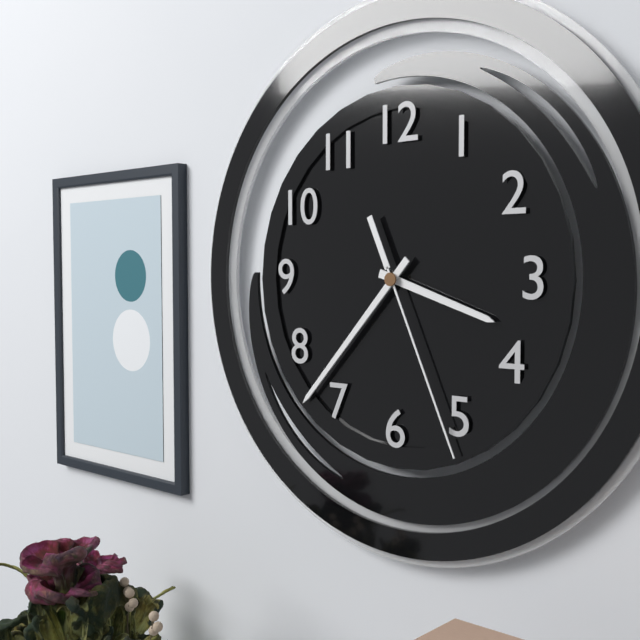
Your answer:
{"hour": 3, "minute": 37, "second": 26}
